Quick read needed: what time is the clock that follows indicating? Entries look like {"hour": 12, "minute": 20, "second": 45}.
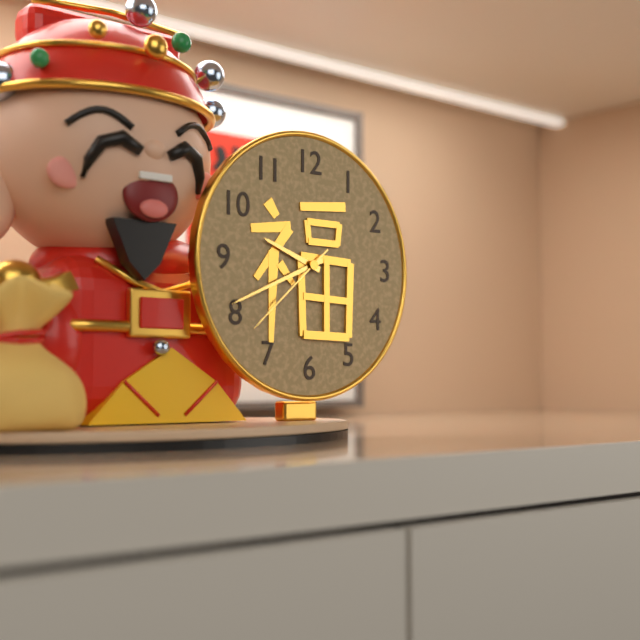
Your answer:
{"hour": 9, "minute": 41, "second": 38}
